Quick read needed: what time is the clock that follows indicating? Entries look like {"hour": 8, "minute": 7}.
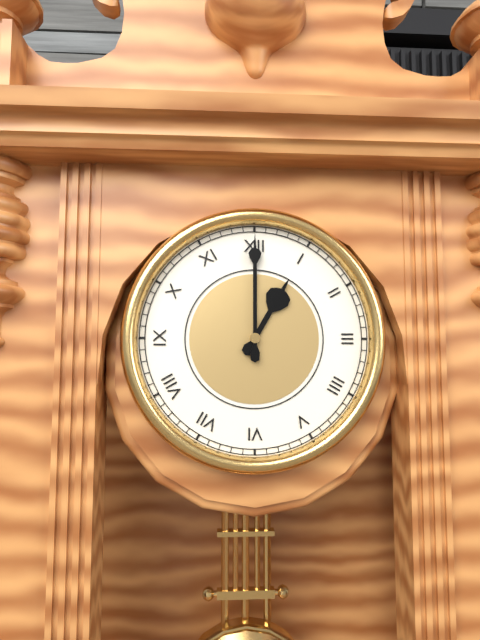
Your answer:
{"hour": 1, "minute": 0}
